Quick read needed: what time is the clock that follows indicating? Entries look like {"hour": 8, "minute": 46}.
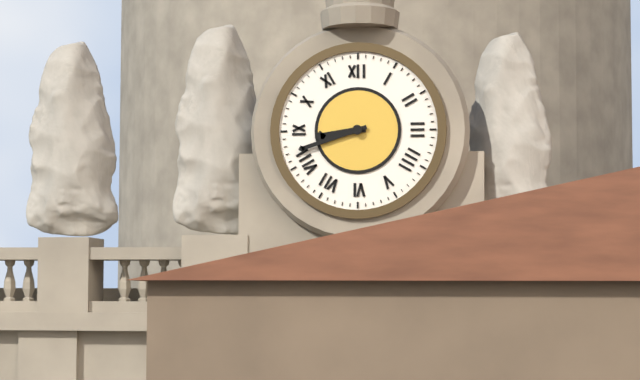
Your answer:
{"hour": 8, "minute": 42}
